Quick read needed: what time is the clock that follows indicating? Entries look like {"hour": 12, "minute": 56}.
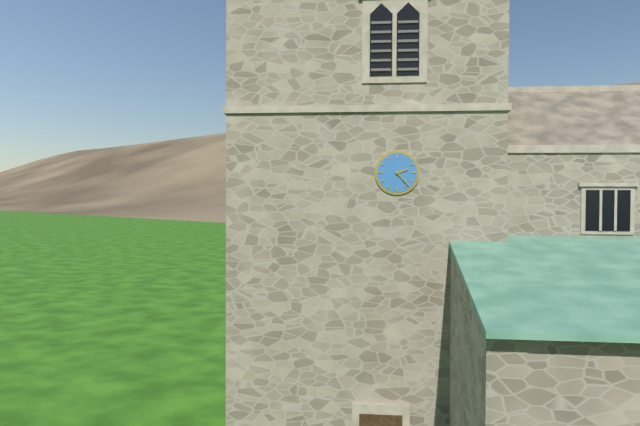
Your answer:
{"hour": 2, "minute": 23}
